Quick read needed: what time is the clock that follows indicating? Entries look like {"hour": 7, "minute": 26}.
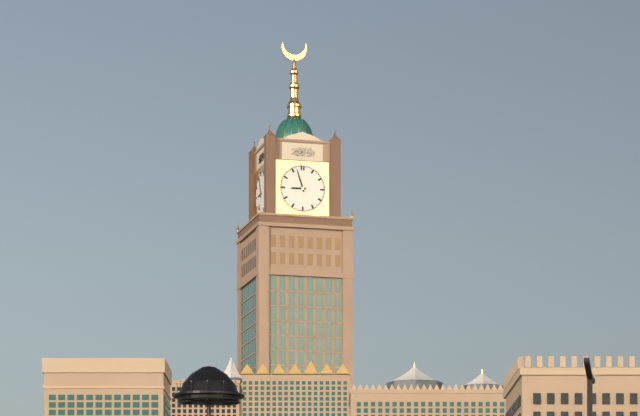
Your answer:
{"hour": 8, "minute": 57}
